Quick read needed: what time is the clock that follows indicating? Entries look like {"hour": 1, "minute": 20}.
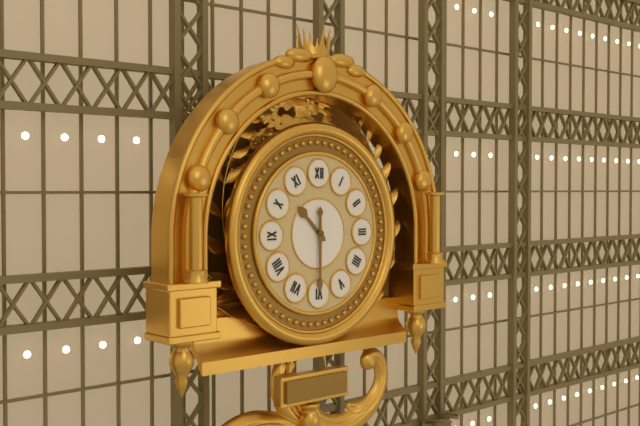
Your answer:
{"hour": 10, "minute": 30}
